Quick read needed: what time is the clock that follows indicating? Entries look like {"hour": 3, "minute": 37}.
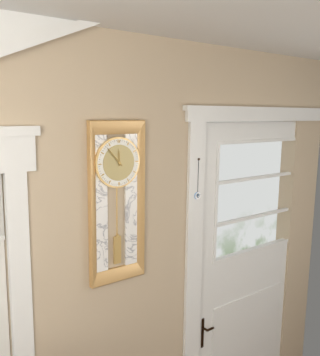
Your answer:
{"hour": 11, "minute": 53}
